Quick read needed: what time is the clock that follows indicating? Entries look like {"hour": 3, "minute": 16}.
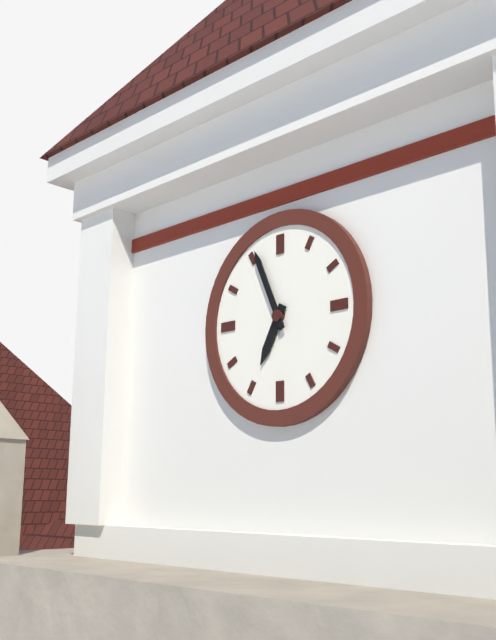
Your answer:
{"hour": 6, "minute": 56}
